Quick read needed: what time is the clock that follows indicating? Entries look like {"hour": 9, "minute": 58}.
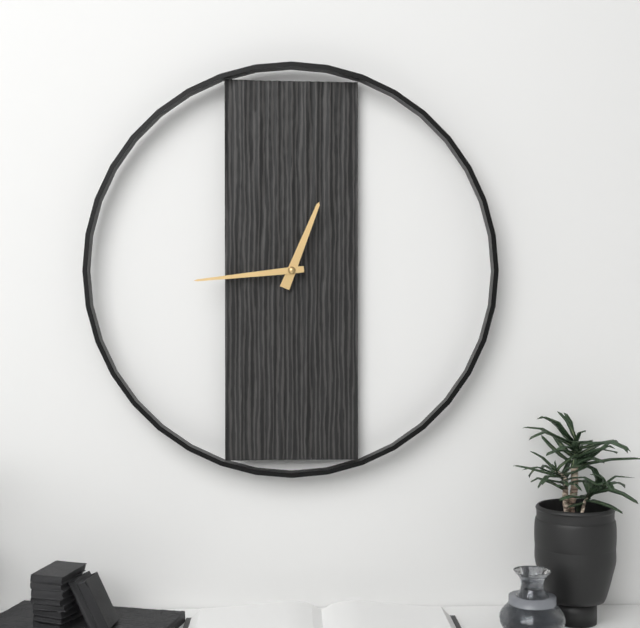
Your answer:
{"hour": 12, "minute": 44}
